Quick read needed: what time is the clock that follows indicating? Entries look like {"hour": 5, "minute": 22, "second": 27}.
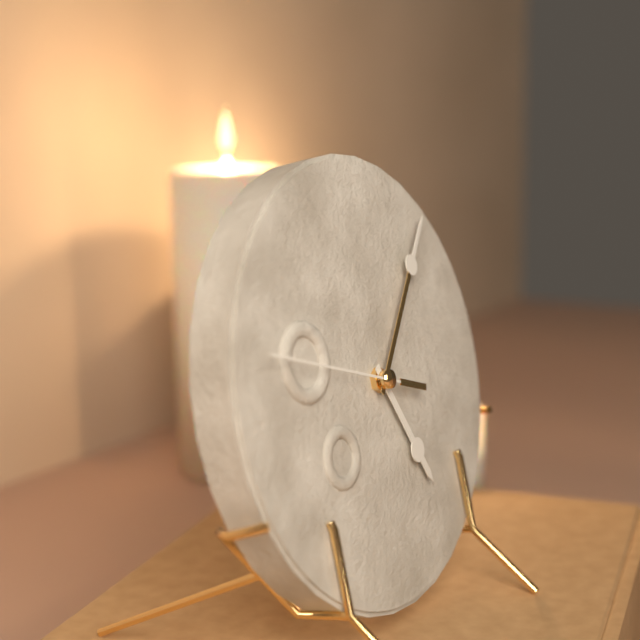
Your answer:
{"hour": 5, "minute": 7, "second": 48}
